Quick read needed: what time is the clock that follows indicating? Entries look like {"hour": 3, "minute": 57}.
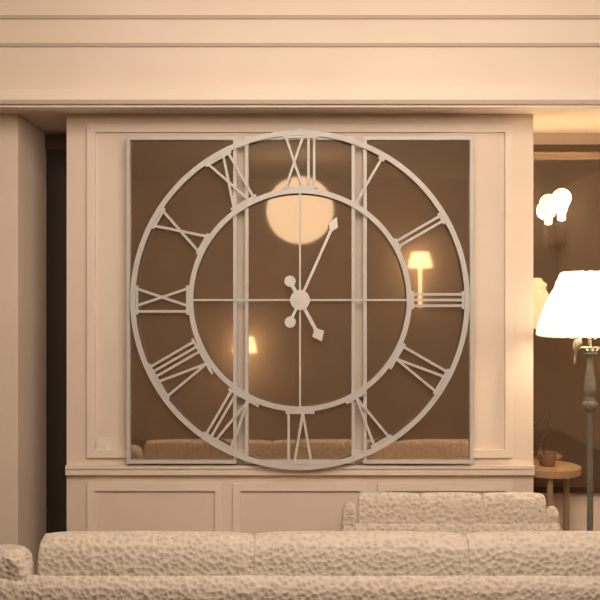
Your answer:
{"hour": 5, "minute": 4}
